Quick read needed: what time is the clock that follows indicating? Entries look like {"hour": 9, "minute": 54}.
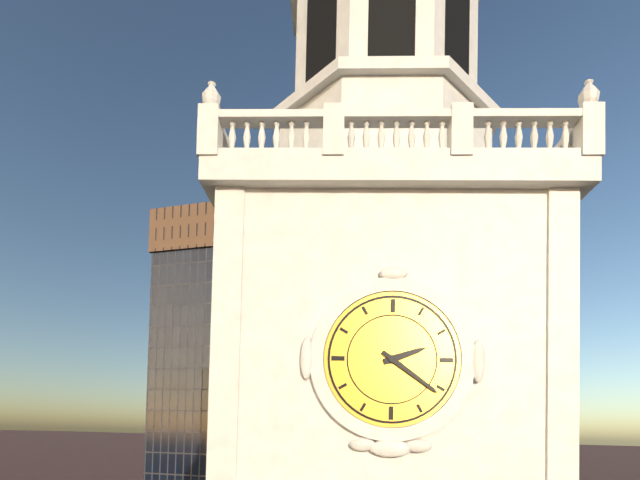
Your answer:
{"hour": 2, "minute": 21}
